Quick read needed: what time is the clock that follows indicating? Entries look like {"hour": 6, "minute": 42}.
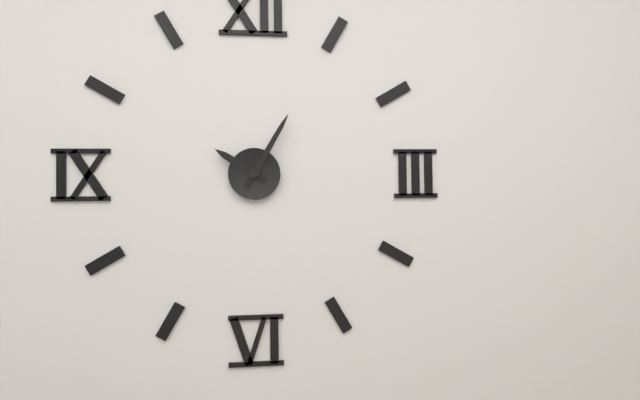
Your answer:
{"hour": 10, "minute": 5}
